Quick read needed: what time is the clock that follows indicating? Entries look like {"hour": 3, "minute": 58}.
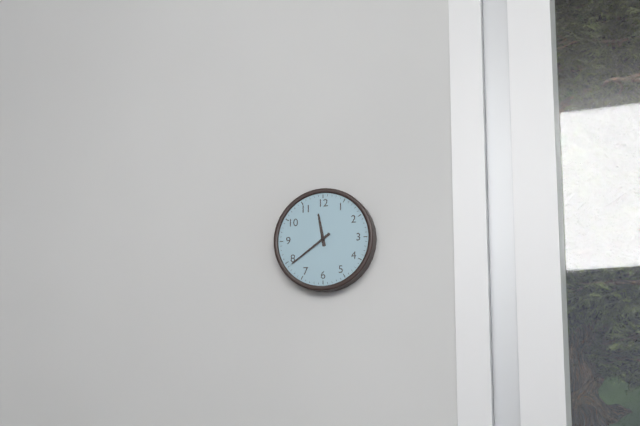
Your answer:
{"hour": 11, "minute": 39}
